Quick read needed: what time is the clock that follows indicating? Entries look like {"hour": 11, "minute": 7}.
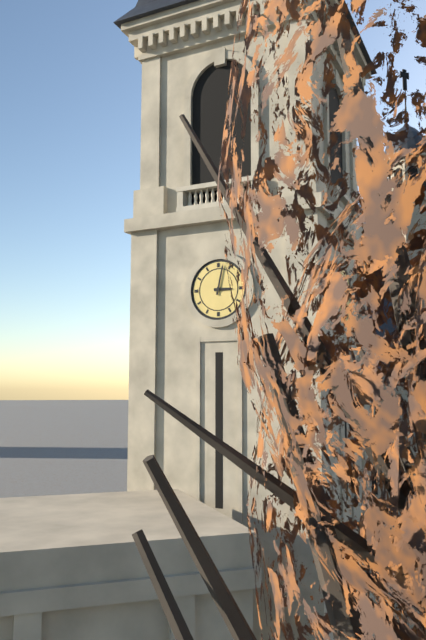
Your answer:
{"hour": 3, "minute": 2}
